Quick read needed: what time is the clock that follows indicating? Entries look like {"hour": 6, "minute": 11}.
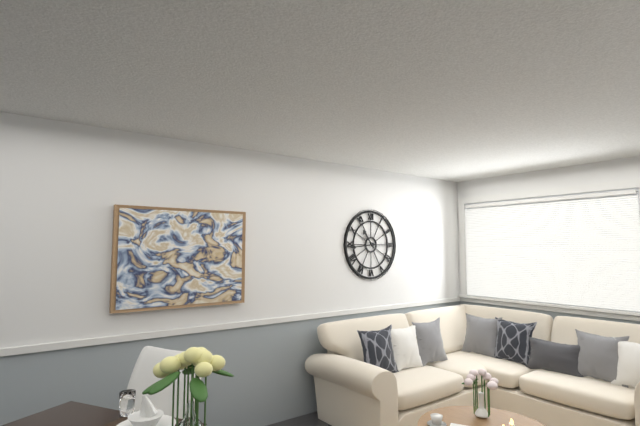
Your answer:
{"hour": 10, "minute": 44}
